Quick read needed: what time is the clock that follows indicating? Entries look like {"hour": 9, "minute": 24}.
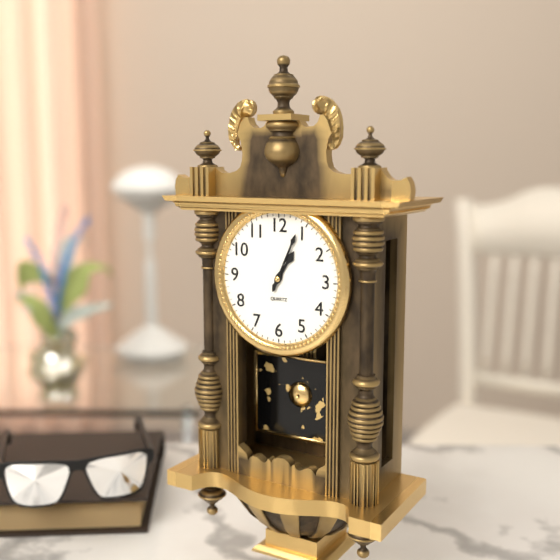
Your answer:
{"hour": 1, "minute": 4}
